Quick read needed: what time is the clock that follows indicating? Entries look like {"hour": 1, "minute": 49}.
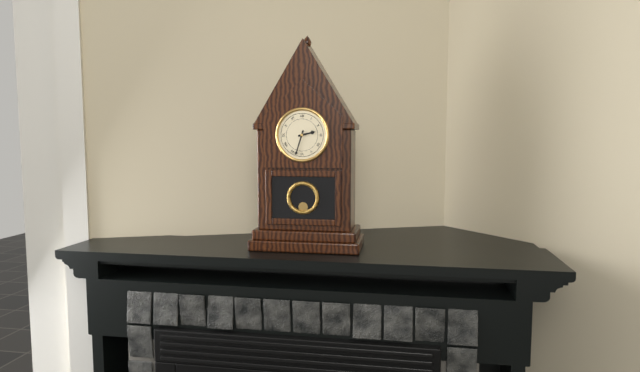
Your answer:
{"hour": 2, "minute": 33}
